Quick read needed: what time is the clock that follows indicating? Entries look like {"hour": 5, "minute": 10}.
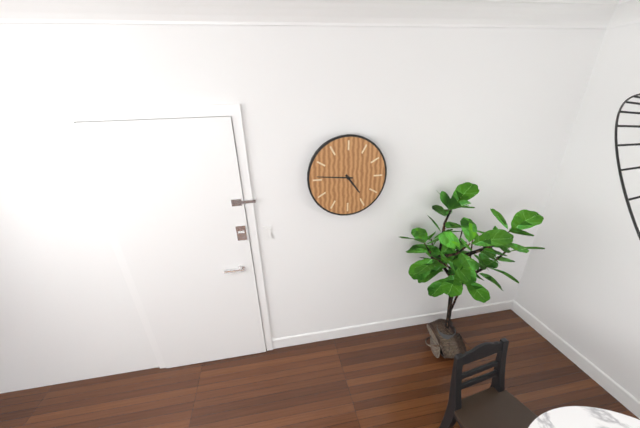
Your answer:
{"hour": 4, "minute": 46}
